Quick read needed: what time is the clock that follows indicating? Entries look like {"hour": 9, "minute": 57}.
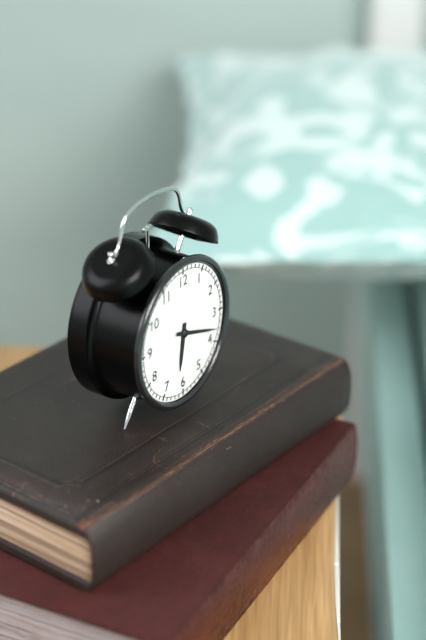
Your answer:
{"hour": 6, "minute": 18}
